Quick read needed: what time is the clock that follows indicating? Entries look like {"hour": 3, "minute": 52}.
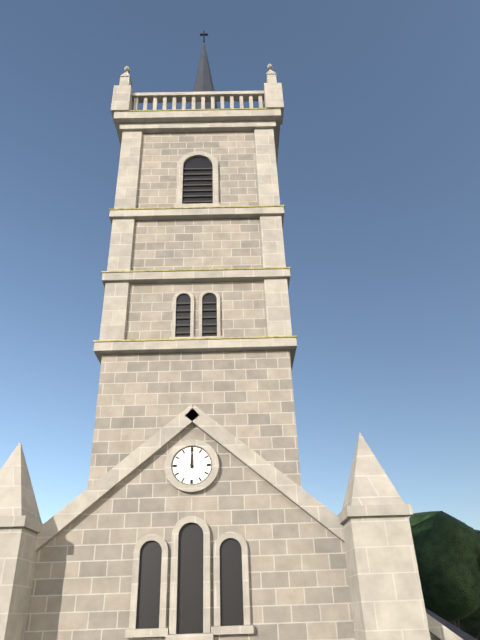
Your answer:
{"hour": 12, "minute": 0}
